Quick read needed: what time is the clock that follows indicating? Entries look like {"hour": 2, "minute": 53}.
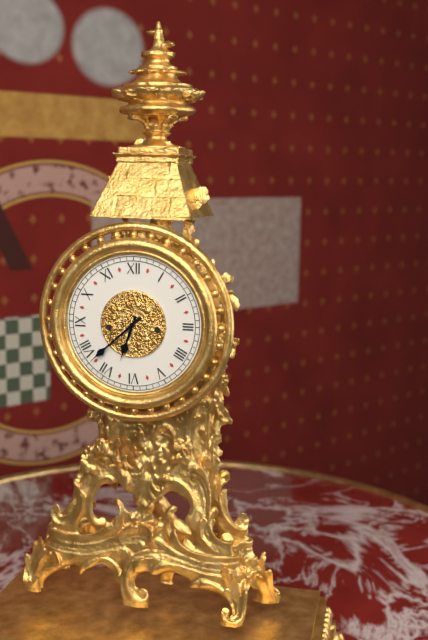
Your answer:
{"hour": 6, "minute": 38}
